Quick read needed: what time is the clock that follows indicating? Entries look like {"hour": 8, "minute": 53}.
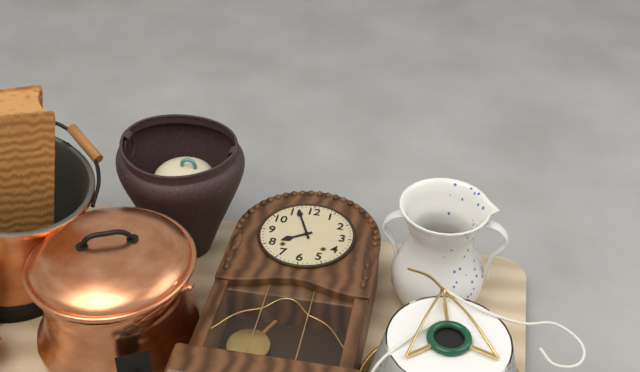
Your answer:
{"hour": 7, "minute": 56}
